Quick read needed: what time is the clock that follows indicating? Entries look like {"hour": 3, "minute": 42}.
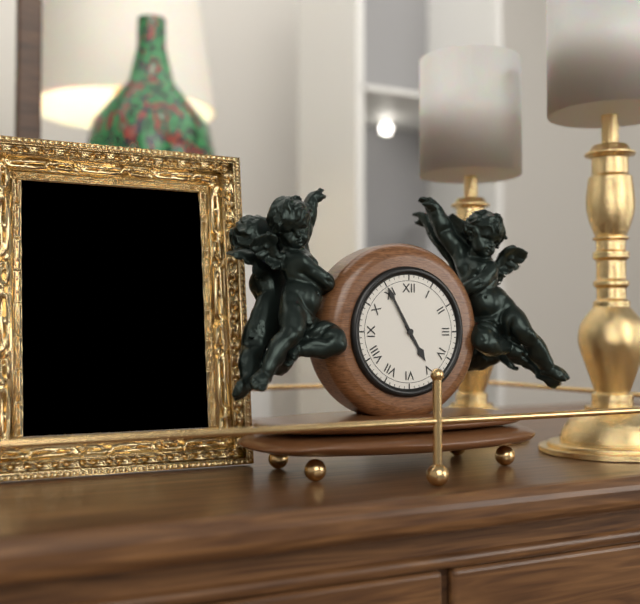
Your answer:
{"hour": 4, "minute": 55}
